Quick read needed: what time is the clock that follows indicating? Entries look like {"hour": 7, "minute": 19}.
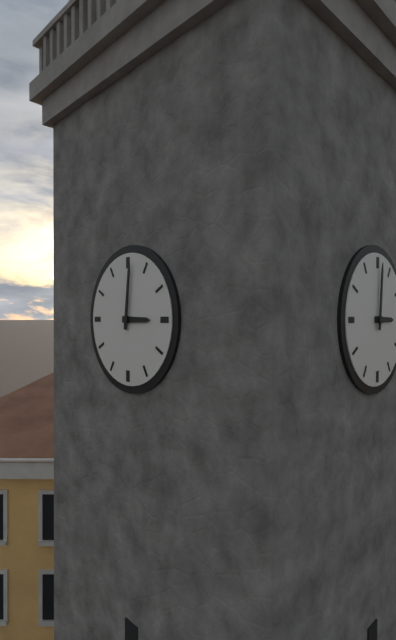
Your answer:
{"hour": 3, "minute": 1}
